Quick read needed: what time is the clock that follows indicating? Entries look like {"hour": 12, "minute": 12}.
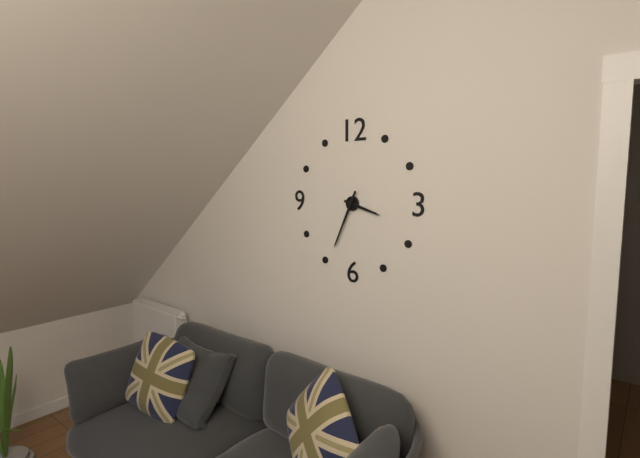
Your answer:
{"hour": 3, "minute": 34}
